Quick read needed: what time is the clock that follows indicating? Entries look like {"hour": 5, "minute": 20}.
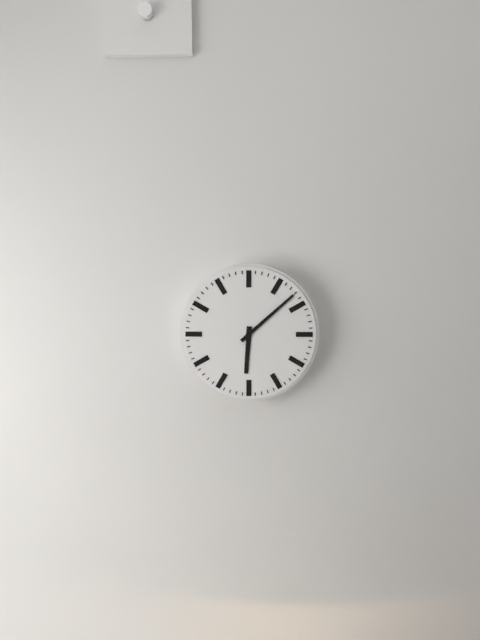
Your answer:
{"hour": 6, "minute": 8}
